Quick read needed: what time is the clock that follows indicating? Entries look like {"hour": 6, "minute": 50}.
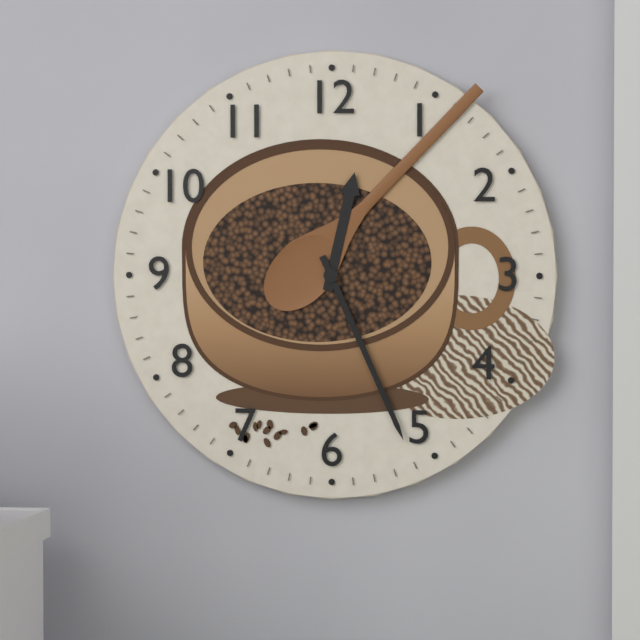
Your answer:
{"hour": 12, "minute": 26}
